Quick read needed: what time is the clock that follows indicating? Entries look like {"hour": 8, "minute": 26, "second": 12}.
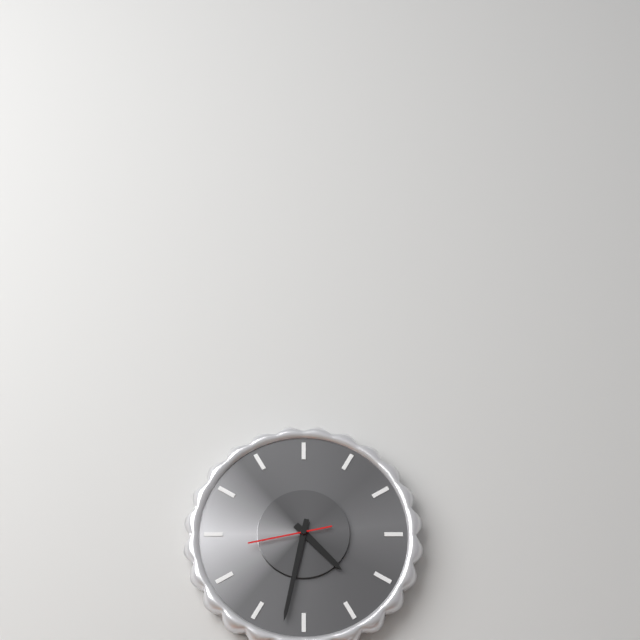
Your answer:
{"hour": 4, "minute": 32, "second": 43}
